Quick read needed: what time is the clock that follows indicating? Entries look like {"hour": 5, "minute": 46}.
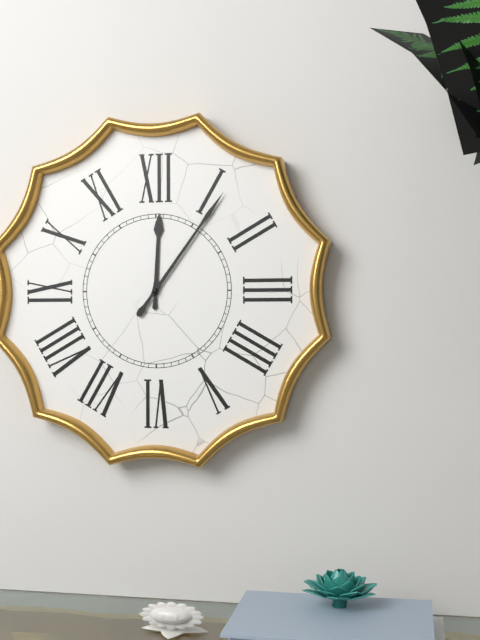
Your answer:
{"hour": 12, "minute": 6}
